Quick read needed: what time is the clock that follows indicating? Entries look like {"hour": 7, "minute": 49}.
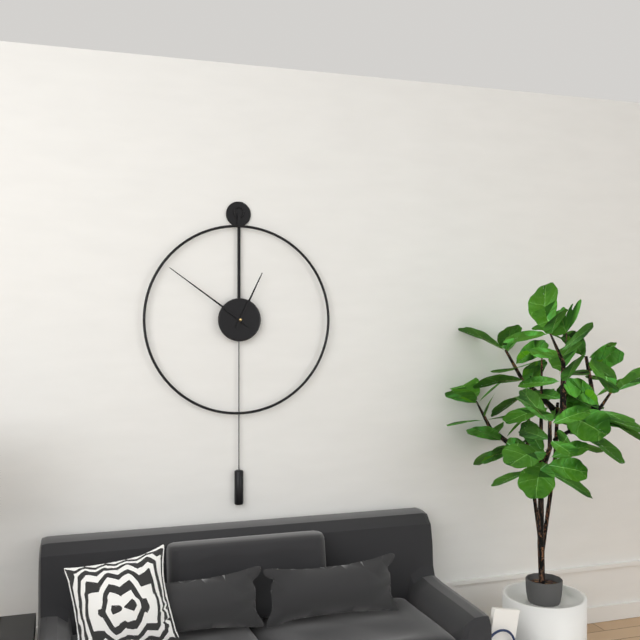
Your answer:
{"hour": 12, "minute": 51}
